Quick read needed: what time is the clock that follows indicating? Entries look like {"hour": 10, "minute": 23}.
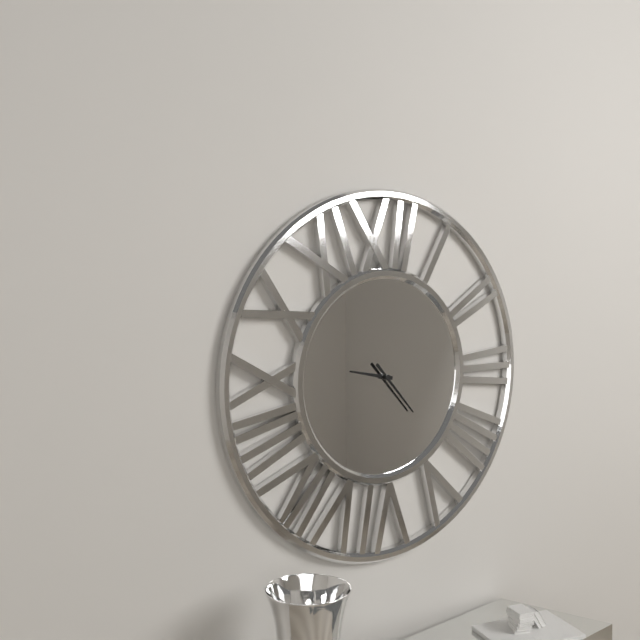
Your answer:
{"hour": 9, "minute": 23}
